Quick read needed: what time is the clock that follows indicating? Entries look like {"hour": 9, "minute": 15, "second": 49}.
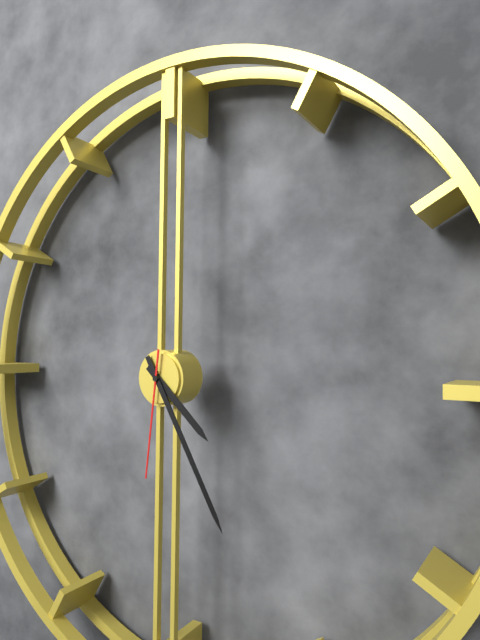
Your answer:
{"hour": 4, "minute": 25, "second": 31}
